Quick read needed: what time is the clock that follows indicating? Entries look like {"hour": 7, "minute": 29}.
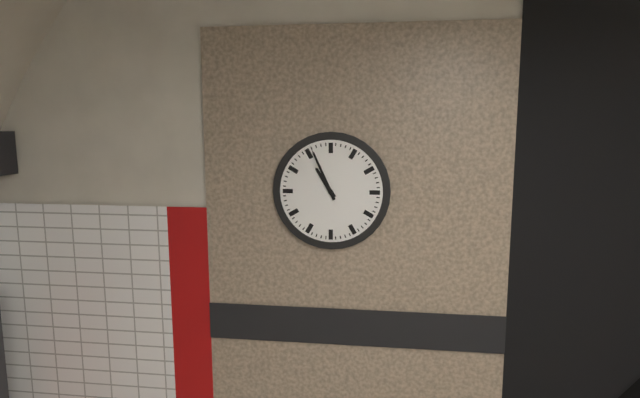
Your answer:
{"hour": 10, "minute": 56}
